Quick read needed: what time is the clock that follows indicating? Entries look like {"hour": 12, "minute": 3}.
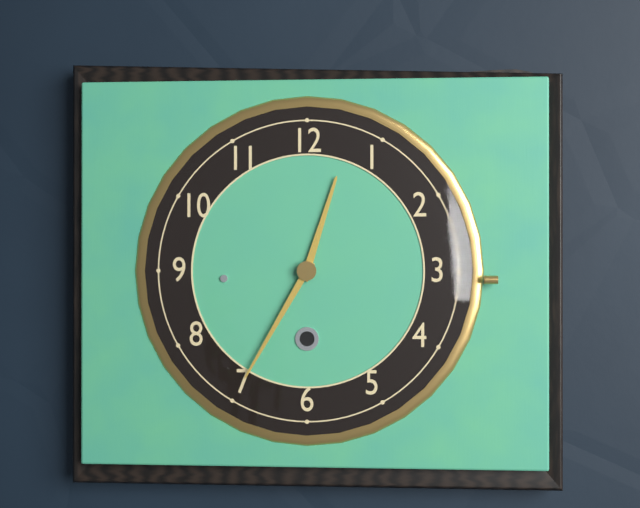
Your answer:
{"hour": 12, "minute": 35}
